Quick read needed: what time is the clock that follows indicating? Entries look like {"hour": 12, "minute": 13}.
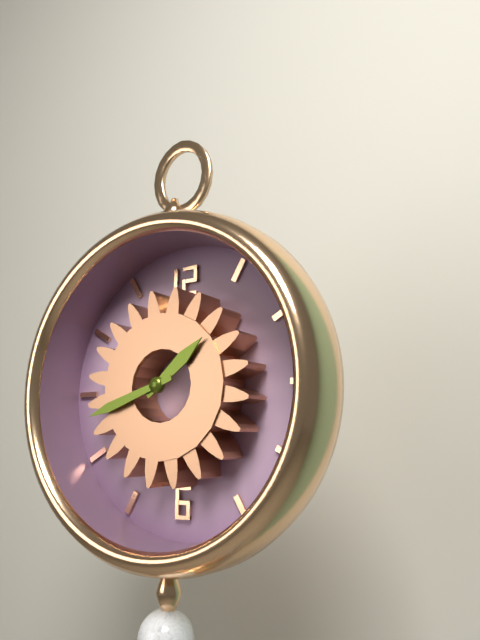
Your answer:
{"hour": 1, "minute": 42}
